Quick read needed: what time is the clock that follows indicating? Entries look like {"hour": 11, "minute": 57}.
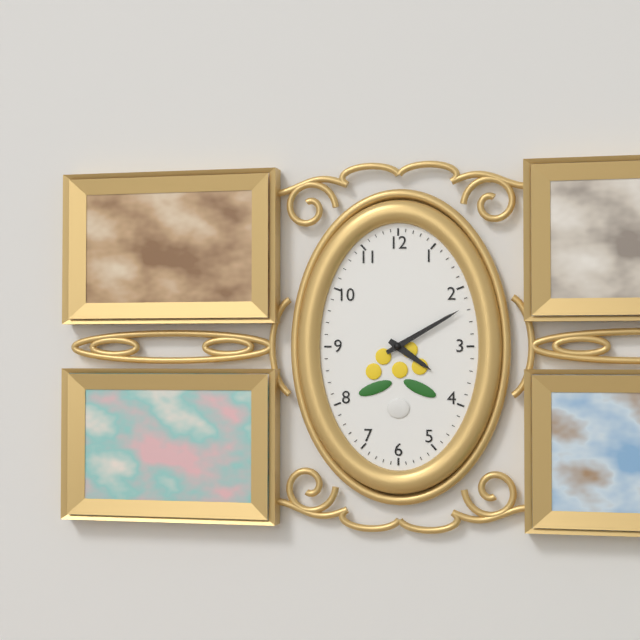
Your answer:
{"hour": 4, "minute": 10}
